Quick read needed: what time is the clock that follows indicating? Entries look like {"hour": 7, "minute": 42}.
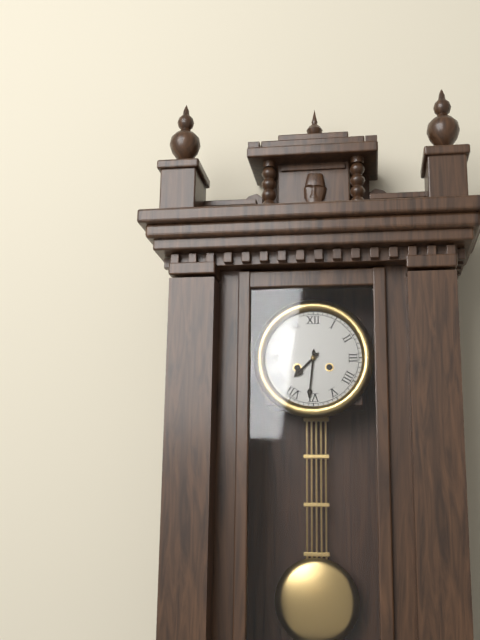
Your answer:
{"hour": 7, "minute": 31}
